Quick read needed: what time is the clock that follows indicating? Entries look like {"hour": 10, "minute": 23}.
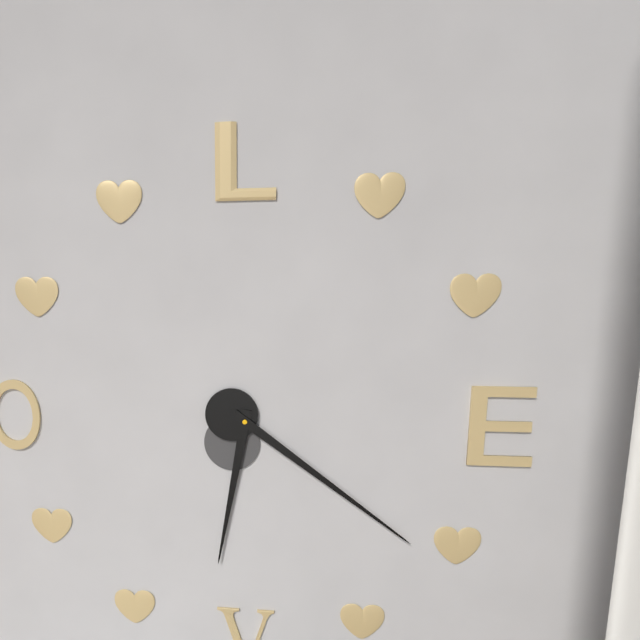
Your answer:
{"hour": 6, "minute": 21}
